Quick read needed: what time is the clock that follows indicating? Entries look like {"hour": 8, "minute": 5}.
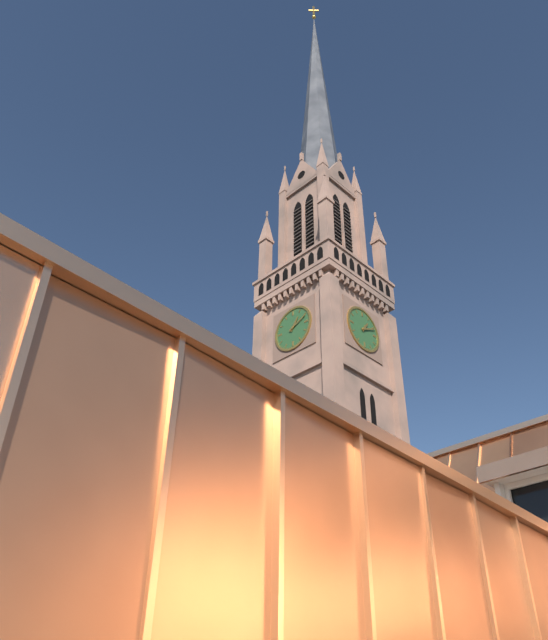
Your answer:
{"hour": 1, "minute": 11}
